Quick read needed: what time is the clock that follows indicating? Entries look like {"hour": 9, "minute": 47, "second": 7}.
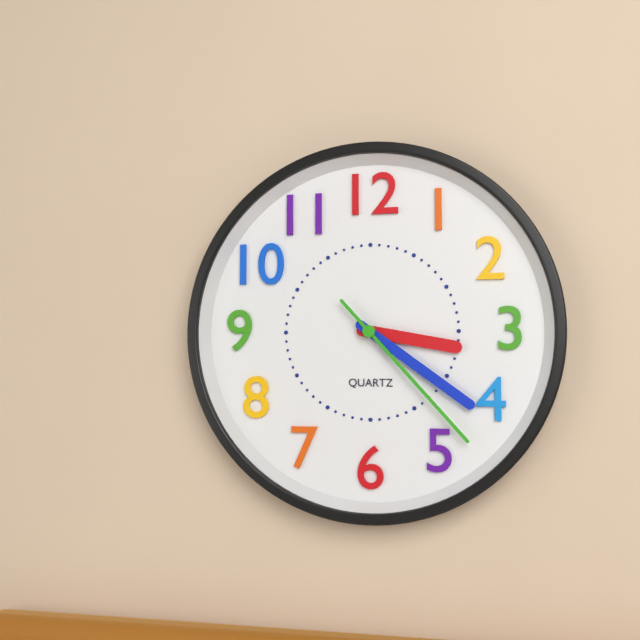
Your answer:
{"hour": 3, "minute": 21, "second": 23}
